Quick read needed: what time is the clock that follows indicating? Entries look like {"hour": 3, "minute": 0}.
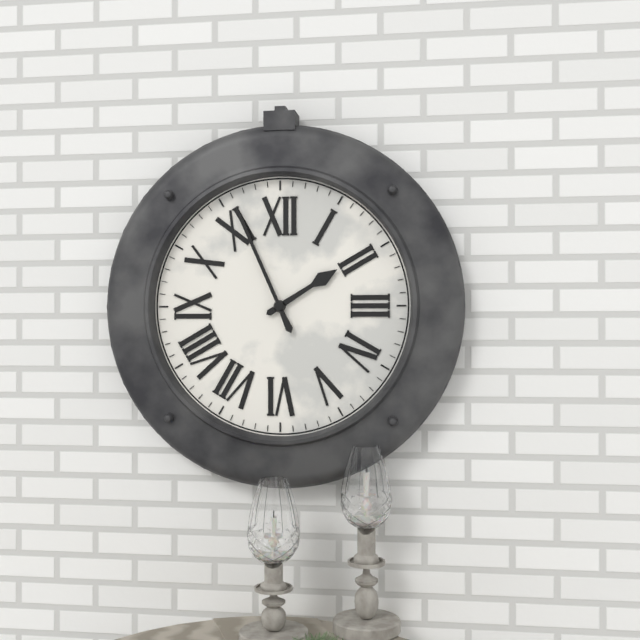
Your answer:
{"hour": 1, "minute": 56}
